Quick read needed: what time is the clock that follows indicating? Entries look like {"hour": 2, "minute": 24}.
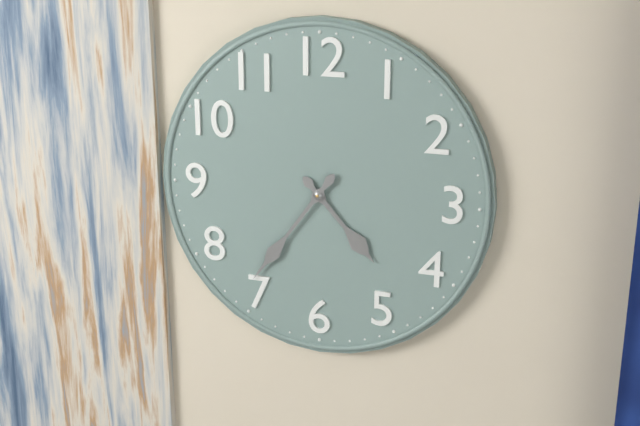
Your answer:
{"hour": 4, "minute": 36}
